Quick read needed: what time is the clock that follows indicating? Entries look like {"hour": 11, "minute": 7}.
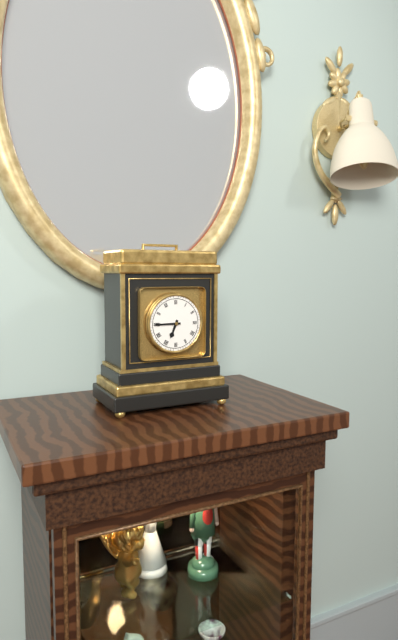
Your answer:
{"hour": 6, "minute": 45}
